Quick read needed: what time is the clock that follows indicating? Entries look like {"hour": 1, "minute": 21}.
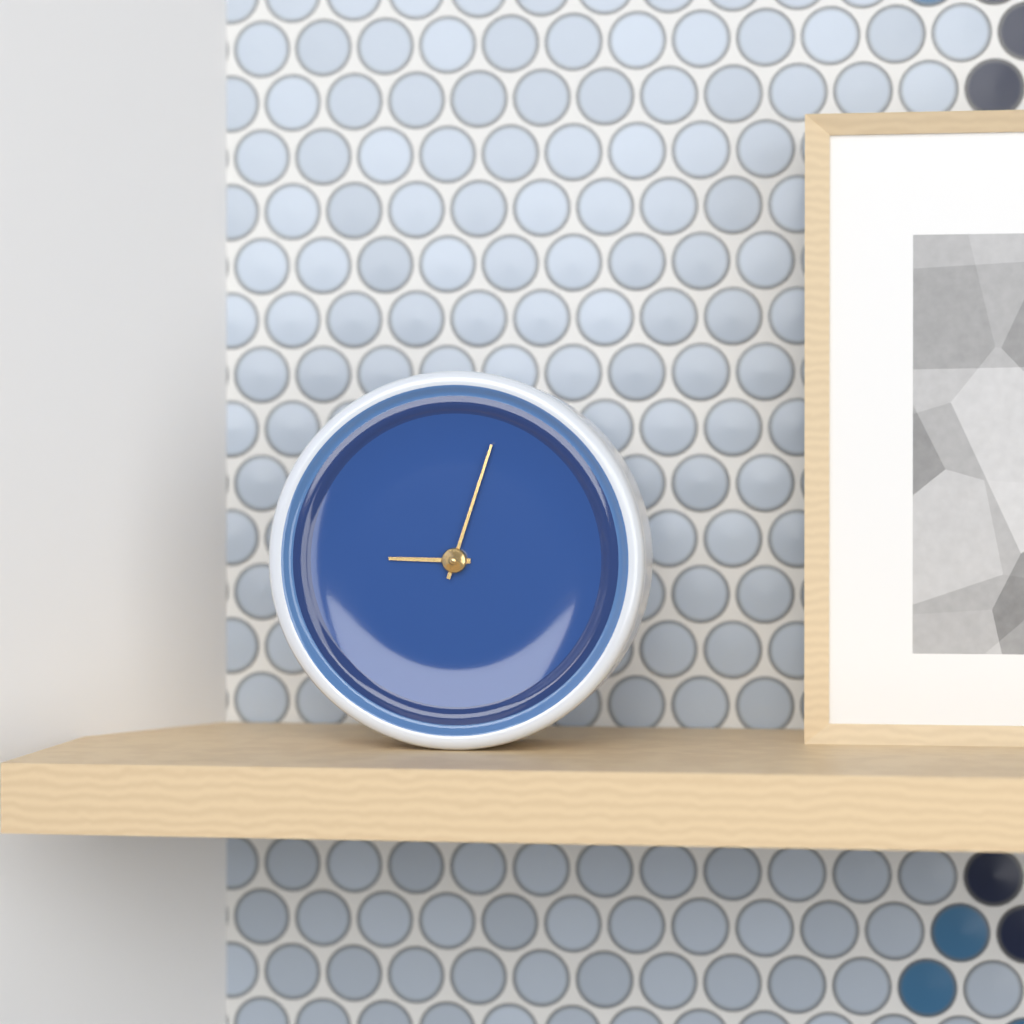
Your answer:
{"hour": 9, "minute": 3}
